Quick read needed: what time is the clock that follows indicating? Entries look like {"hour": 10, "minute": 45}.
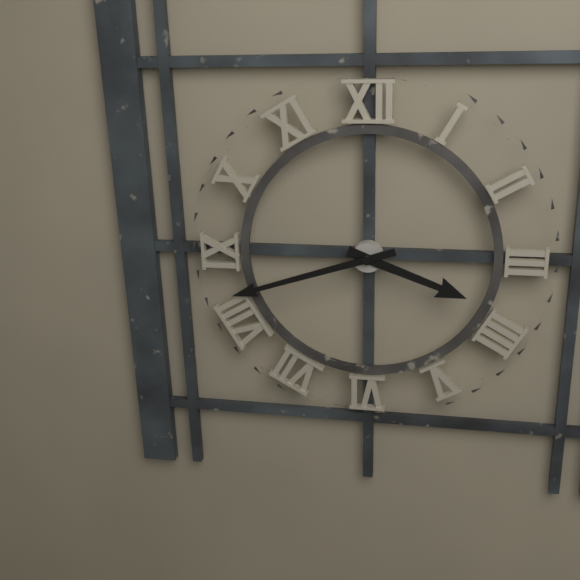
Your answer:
{"hour": 3, "minute": 42}
